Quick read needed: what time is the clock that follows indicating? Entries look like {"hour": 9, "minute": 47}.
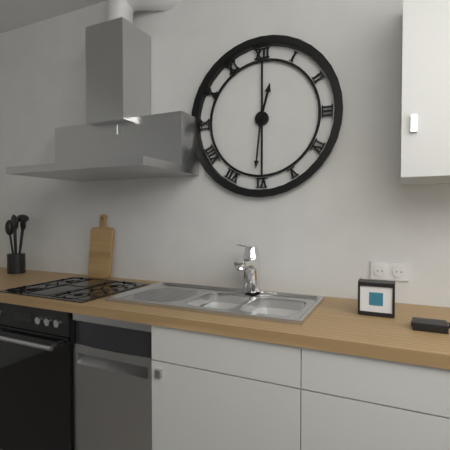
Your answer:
{"hour": 12, "minute": 31}
